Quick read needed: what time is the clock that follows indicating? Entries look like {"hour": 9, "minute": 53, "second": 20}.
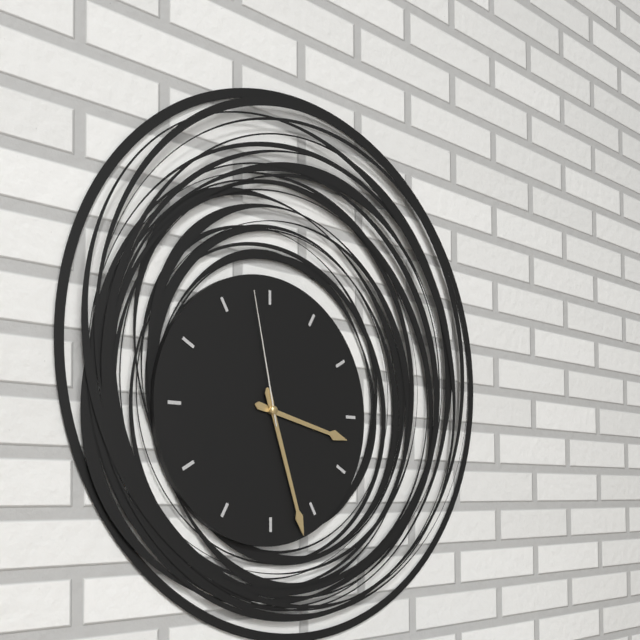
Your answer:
{"hour": 3, "minute": 27, "second": 58}
